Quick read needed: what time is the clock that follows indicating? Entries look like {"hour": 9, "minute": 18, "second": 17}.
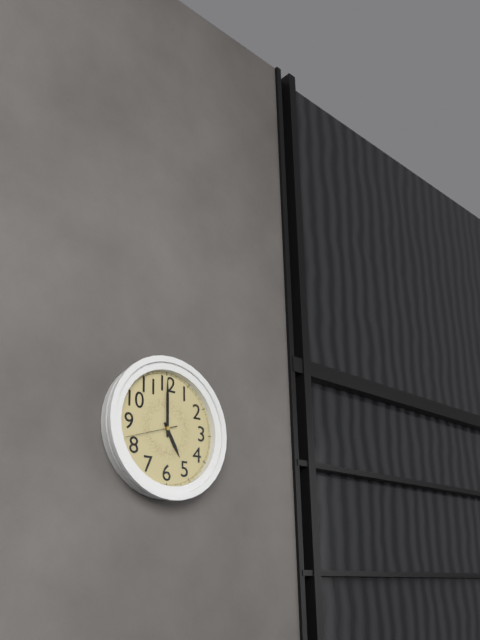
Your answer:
{"hour": 5, "minute": 0, "second": 42}
